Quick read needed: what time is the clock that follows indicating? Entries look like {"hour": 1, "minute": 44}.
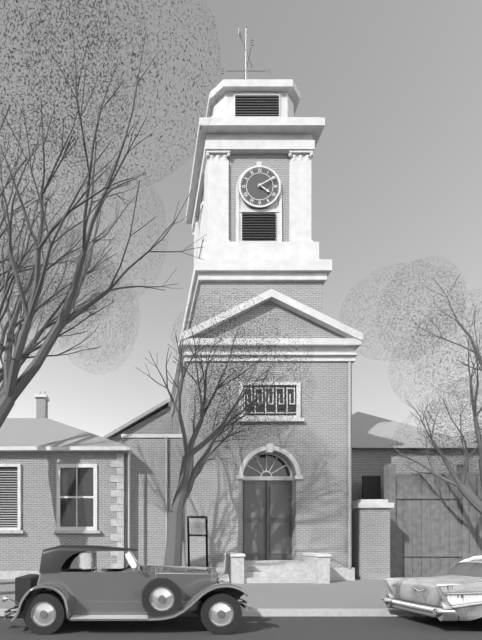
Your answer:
{"hour": 4, "minute": 10}
